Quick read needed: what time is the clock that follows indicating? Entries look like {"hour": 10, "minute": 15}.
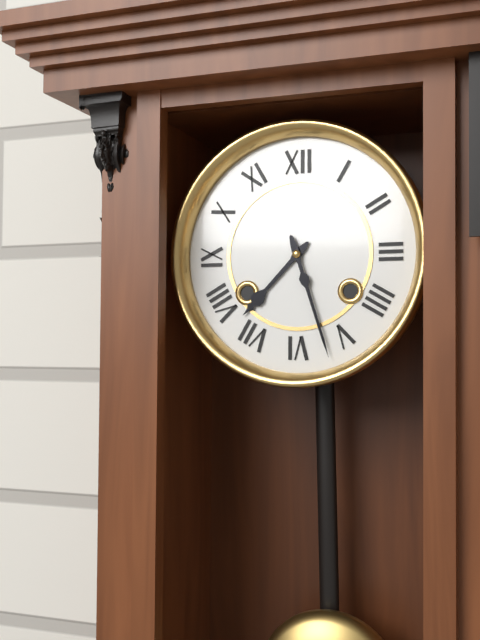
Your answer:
{"hour": 7, "minute": 27}
